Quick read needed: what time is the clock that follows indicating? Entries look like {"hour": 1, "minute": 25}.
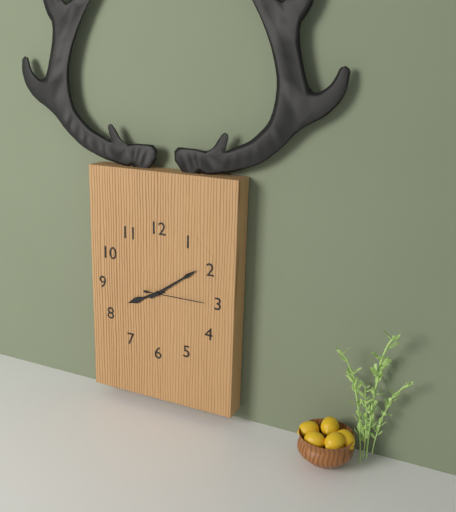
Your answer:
{"hour": 8, "minute": 9}
